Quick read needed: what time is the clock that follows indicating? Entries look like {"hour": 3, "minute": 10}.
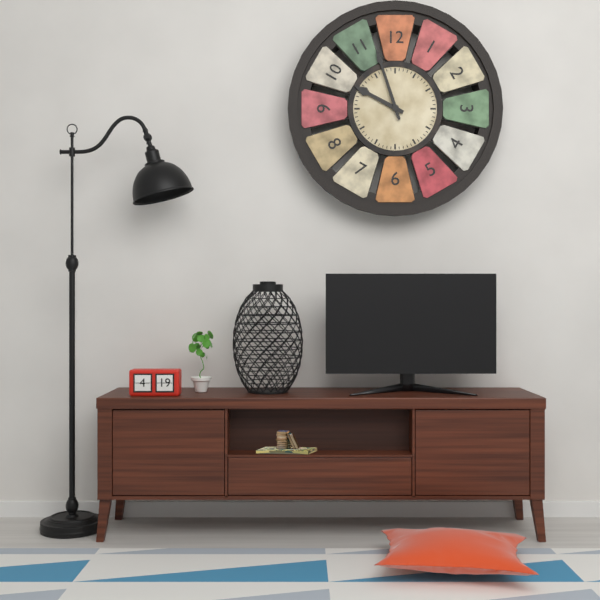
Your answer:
{"hour": 9, "minute": 57}
